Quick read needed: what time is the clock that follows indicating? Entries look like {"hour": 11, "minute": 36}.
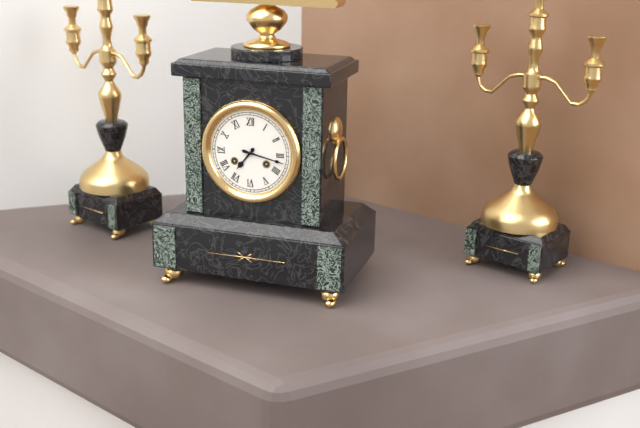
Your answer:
{"hour": 7, "minute": 17}
